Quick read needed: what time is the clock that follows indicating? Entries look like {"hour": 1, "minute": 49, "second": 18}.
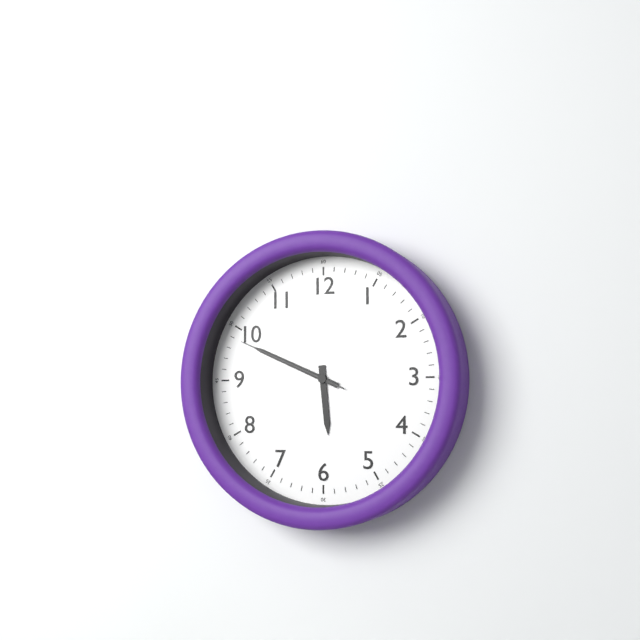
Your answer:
{"hour": 5, "minute": 49, "second": 49}
